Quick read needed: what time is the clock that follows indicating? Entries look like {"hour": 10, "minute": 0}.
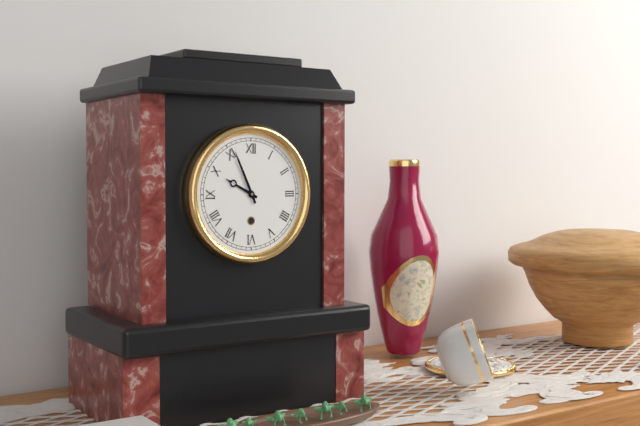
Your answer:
{"hour": 9, "minute": 56}
